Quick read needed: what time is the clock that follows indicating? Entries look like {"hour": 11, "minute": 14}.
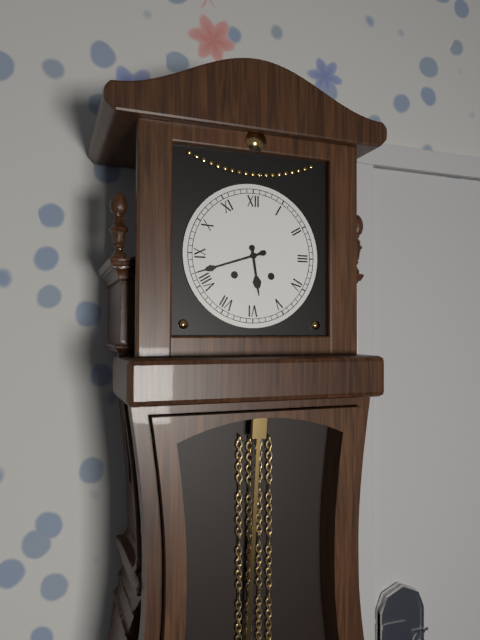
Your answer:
{"hour": 5, "minute": 42}
